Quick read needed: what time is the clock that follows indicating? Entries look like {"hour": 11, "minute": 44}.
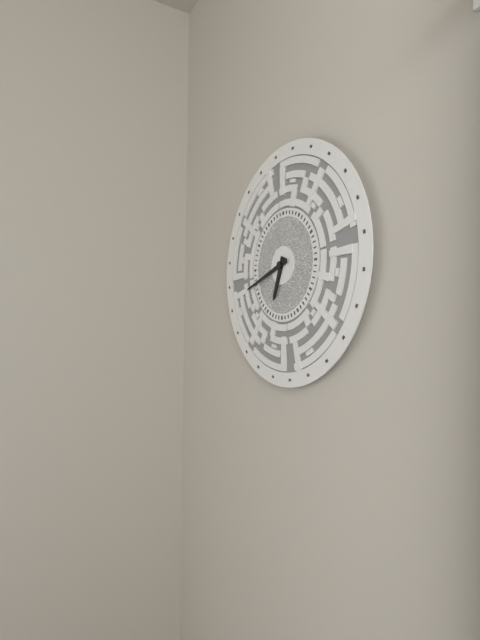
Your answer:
{"hour": 6, "minute": 42}
